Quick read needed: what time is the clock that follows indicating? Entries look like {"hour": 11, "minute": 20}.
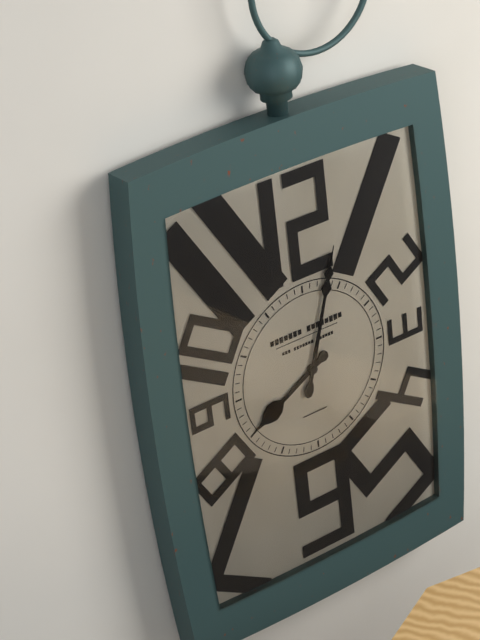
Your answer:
{"hour": 8, "minute": 3}
